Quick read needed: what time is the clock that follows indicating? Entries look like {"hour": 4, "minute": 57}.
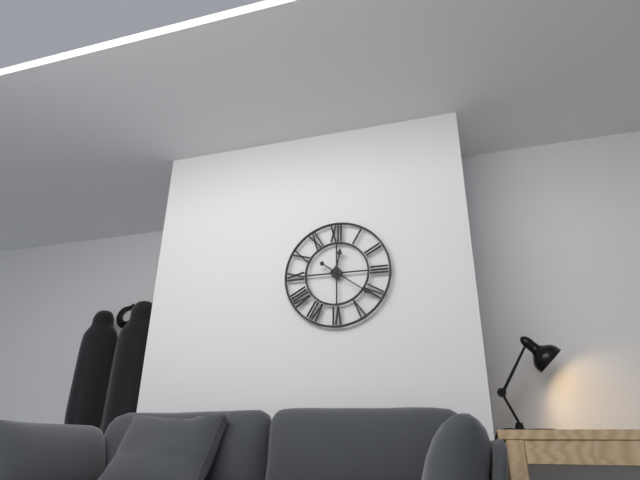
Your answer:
{"hour": 12, "minute": 21}
